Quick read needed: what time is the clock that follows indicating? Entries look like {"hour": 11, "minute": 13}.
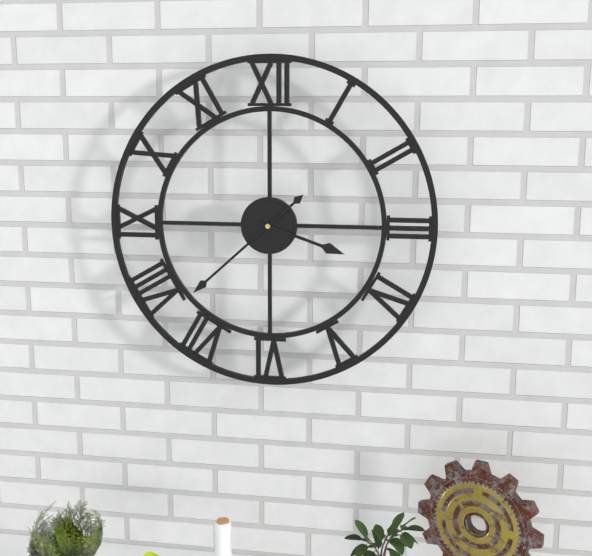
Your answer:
{"hour": 3, "minute": 38}
